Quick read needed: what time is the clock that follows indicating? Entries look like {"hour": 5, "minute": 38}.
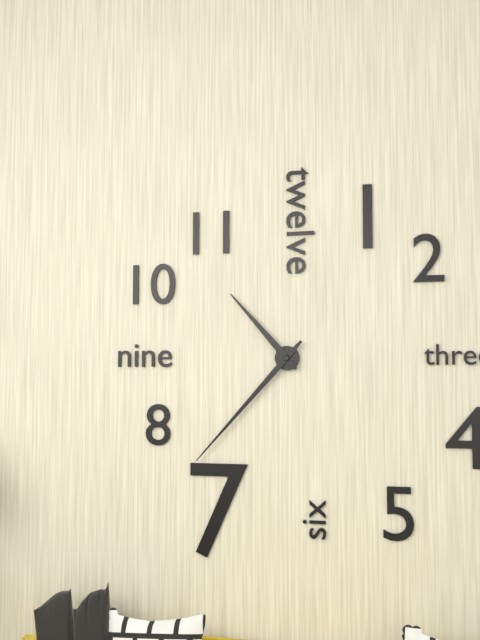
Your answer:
{"hour": 10, "minute": 37}
